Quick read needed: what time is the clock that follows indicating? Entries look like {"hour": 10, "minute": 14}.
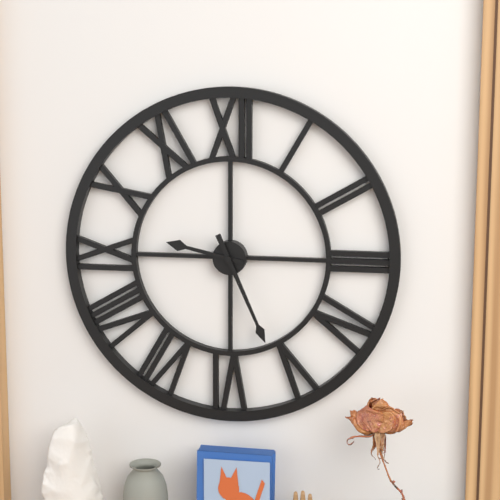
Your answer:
{"hour": 9, "minute": 26}
